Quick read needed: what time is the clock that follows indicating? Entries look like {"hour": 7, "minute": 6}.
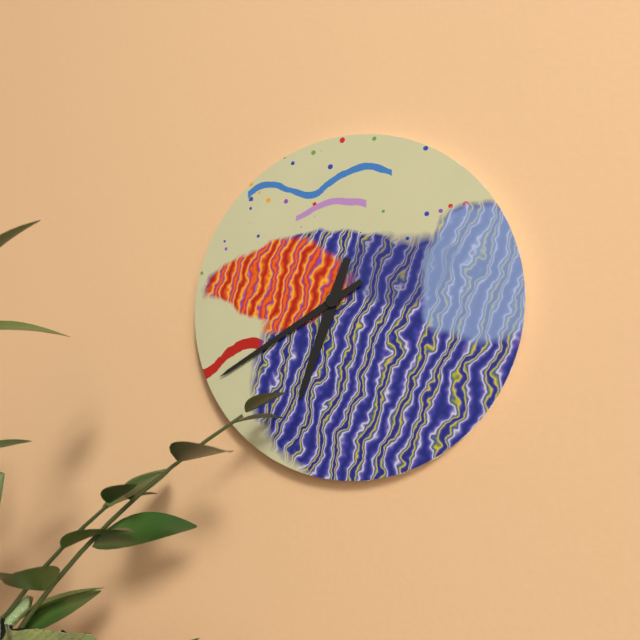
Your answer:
{"hour": 6, "minute": 40}
